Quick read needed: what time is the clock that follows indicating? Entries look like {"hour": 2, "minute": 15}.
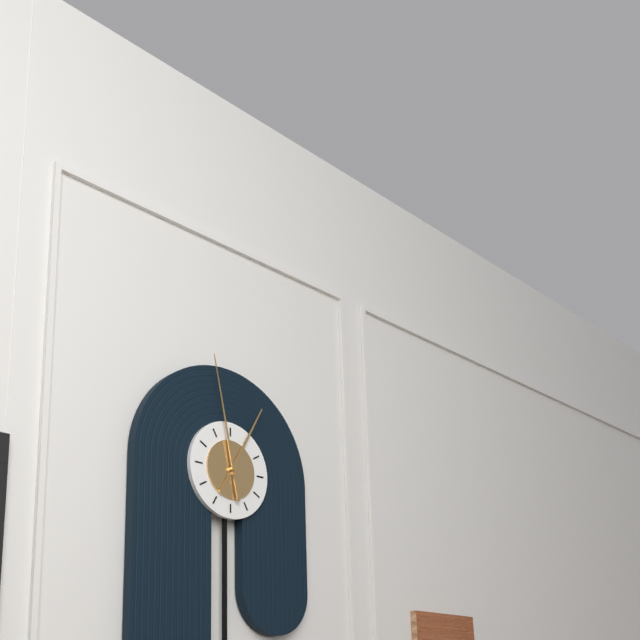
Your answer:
{"hour": 12, "minute": 58}
